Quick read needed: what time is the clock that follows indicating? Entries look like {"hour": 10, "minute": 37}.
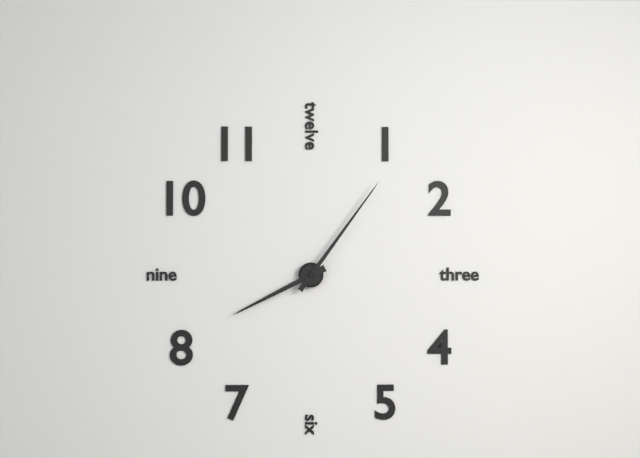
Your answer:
{"hour": 8, "minute": 6}
